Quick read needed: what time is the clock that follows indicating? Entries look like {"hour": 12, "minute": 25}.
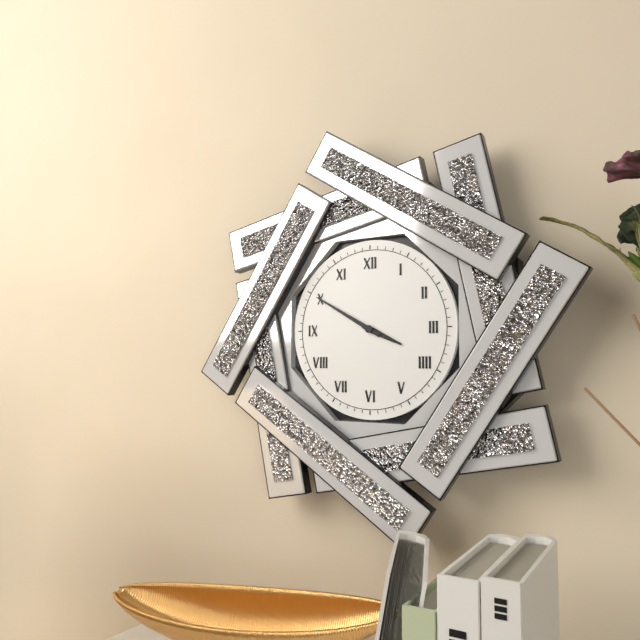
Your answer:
{"hour": 3, "minute": 50}
